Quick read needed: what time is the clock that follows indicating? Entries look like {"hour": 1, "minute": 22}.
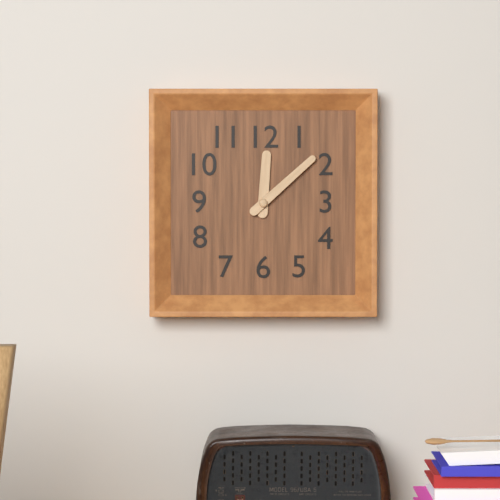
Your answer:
{"hour": 12, "minute": 8}
